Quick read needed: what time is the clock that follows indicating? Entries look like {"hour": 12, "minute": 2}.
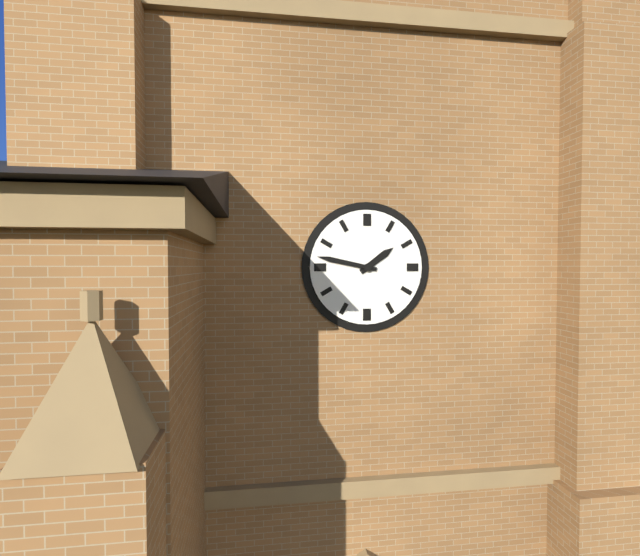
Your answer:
{"hour": 1, "minute": 47}
